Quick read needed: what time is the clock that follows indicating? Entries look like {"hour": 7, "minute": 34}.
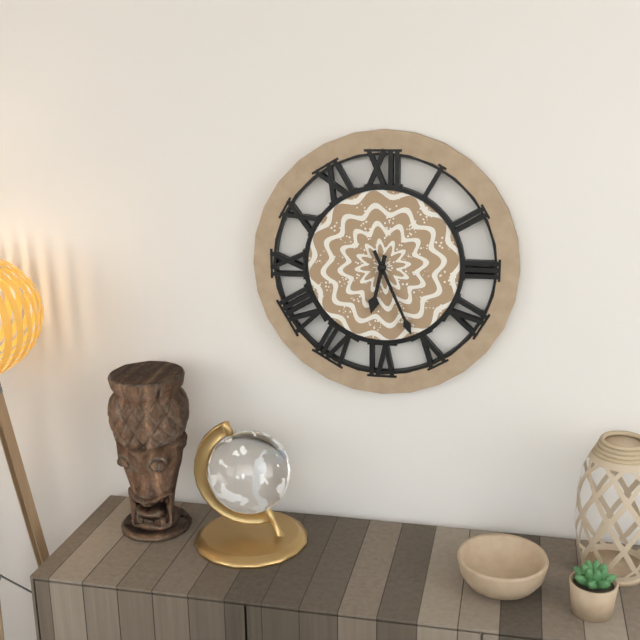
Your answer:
{"hour": 6, "minute": 26}
